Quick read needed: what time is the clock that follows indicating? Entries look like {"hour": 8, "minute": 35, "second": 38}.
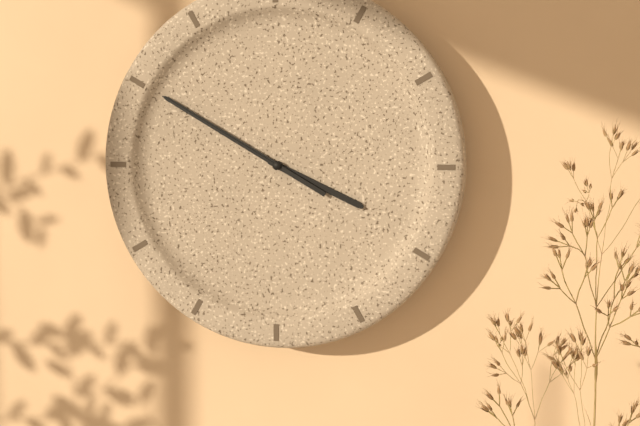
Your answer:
{"hour": 3, "minute": 50, "second": 50}
